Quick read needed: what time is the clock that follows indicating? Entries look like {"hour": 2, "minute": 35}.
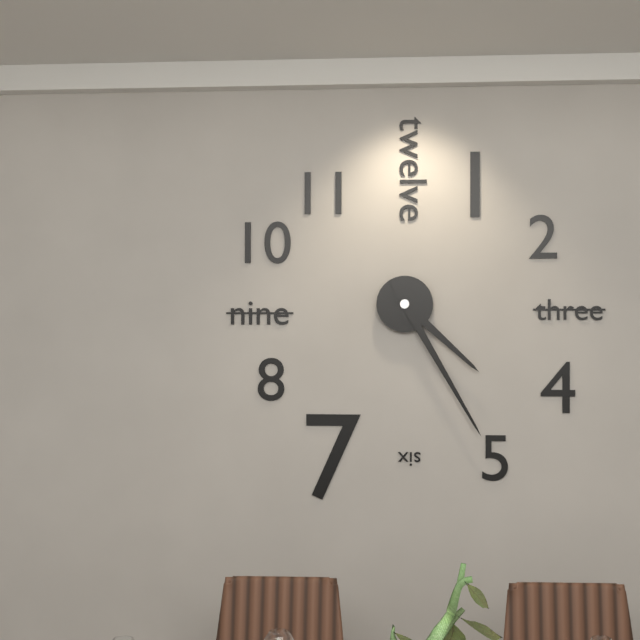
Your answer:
{"hour": 4, "minute": 25}
